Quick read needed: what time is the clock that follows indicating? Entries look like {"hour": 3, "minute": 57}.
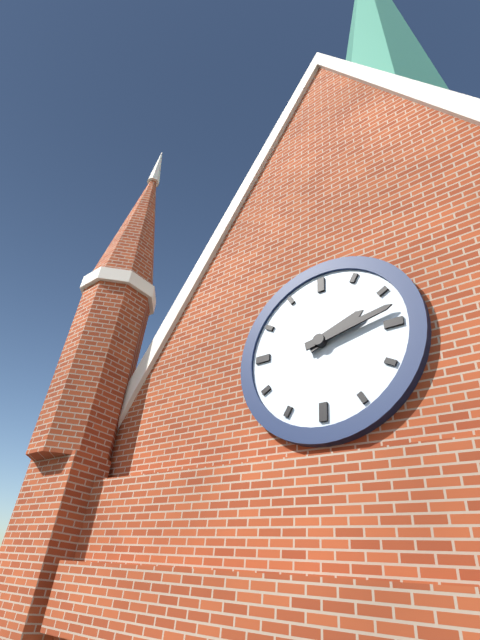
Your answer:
{"hour": 2, "minute": 13}
